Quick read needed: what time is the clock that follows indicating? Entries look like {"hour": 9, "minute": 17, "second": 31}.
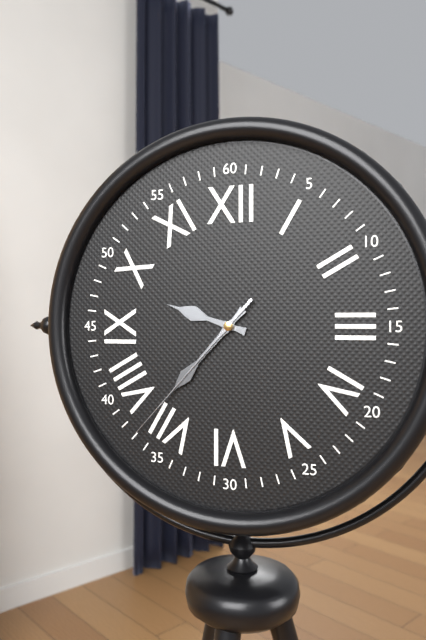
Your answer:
{"hour": 9, "minute": 37, "second": 37}
